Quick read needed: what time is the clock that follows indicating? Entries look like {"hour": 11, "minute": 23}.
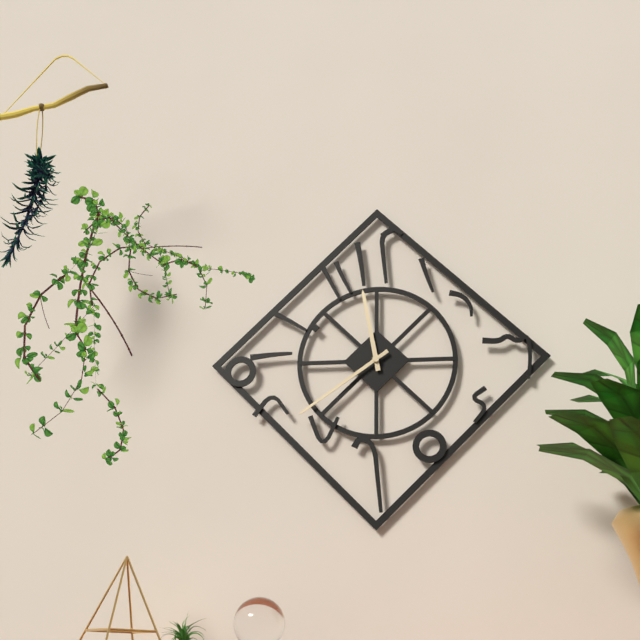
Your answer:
{"hour": 11, "minute": 39}
